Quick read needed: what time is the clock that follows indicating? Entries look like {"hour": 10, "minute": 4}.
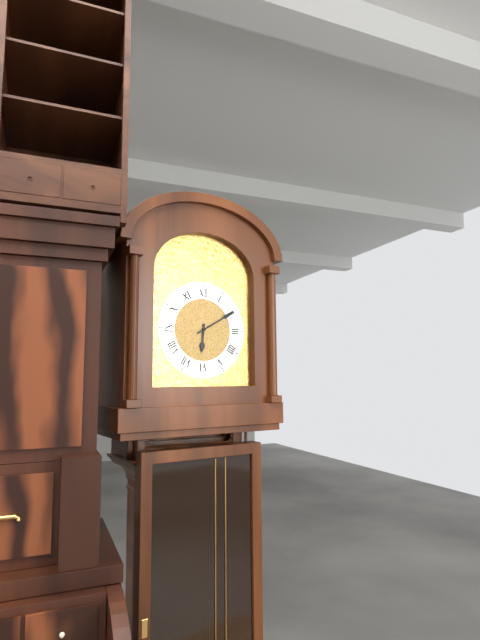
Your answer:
{"hour": 6, "minute": 10}
